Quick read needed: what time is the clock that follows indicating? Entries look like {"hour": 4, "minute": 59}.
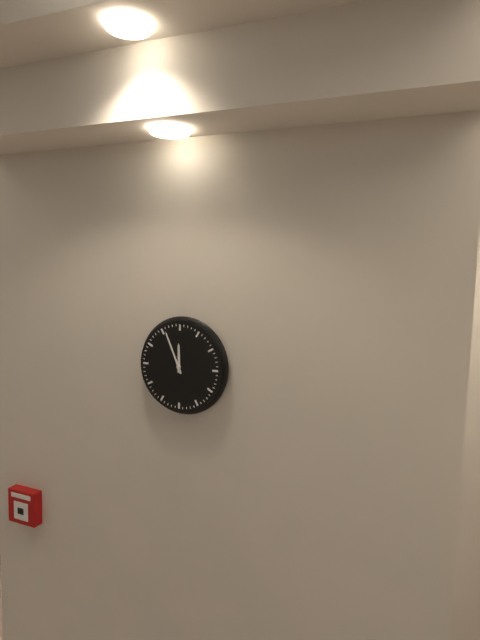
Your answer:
{"hour": 11, "minute": 56}
